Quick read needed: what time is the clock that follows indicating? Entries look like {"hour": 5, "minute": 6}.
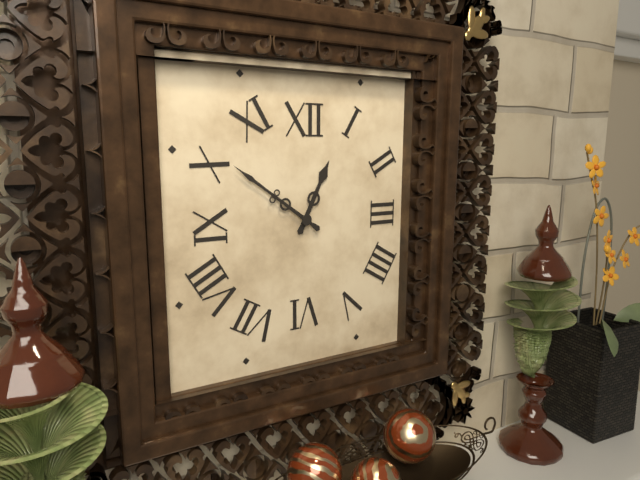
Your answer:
{"hour": 12, "minute": 51}
